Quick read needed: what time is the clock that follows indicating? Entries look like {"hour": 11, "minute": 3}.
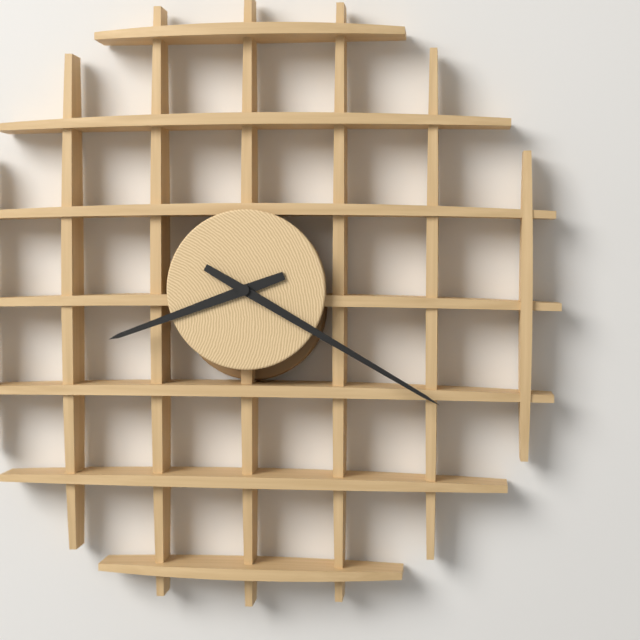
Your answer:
{"hour": 8, "minute": 20}
